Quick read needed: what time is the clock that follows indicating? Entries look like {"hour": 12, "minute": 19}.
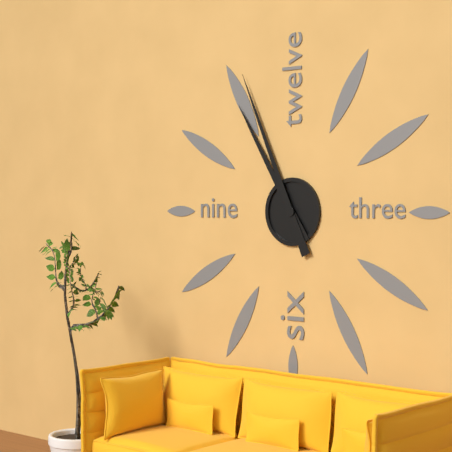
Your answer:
{"hour": 10, "minute": 56}
